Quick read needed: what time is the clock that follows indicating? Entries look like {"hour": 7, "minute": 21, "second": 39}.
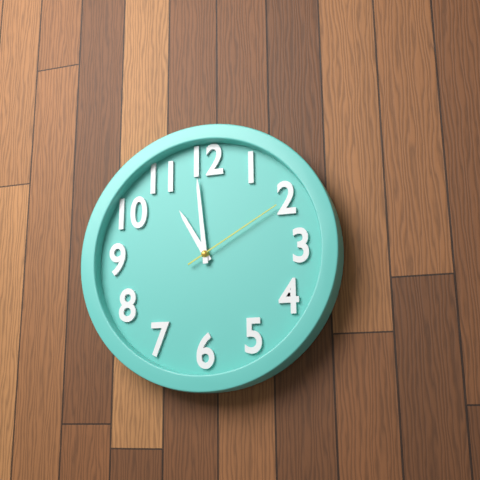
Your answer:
{"hour": 10, "minute": 59, "second": 10}
